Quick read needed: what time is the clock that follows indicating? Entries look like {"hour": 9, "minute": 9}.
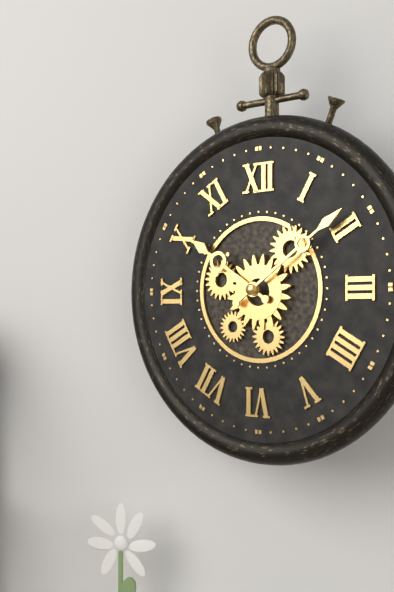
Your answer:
{"hour": 10, "minute": 9}
